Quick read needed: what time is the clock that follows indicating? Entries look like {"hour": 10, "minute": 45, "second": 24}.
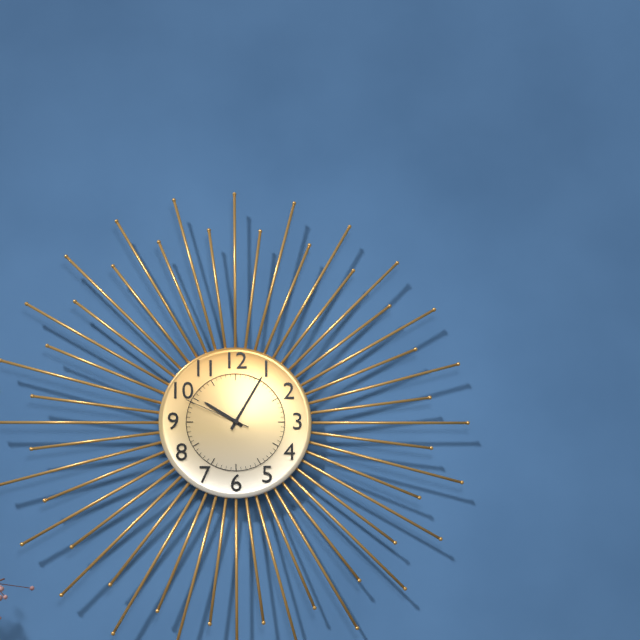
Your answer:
{"hour": 10, "minute": 5, "second": 49}
